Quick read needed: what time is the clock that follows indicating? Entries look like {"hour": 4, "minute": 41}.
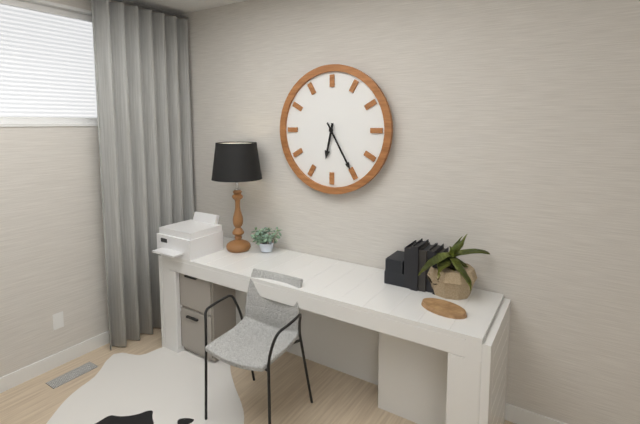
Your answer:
{"hour": 6, "minute": 25}
